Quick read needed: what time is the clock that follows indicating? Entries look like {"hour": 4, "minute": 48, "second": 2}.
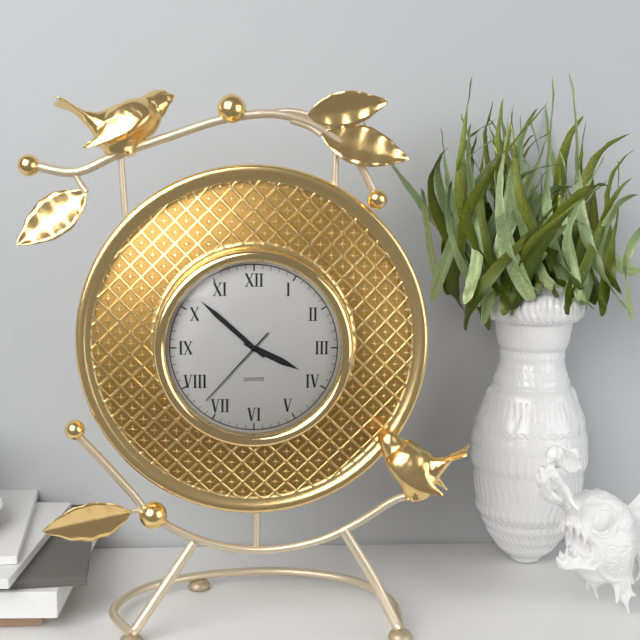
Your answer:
{"hour": 3, "minute": 52, "second": 37}
